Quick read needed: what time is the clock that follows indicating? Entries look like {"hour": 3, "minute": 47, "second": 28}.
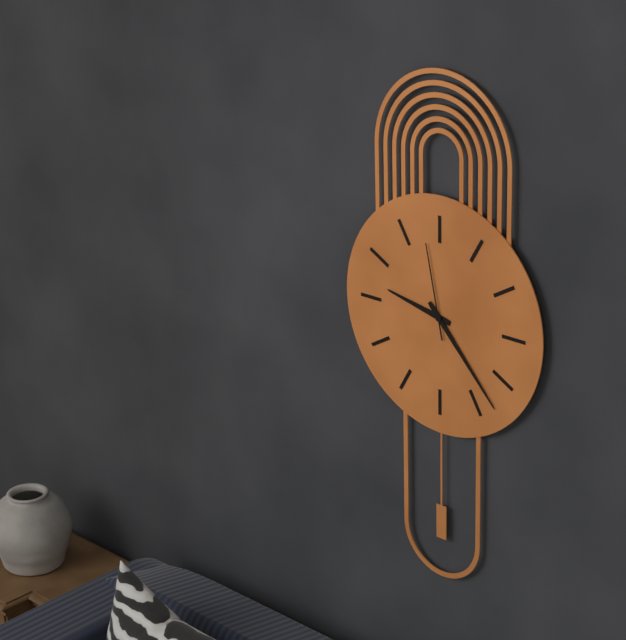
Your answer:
{"hour": 9, "minute": 23, "second": 58}
